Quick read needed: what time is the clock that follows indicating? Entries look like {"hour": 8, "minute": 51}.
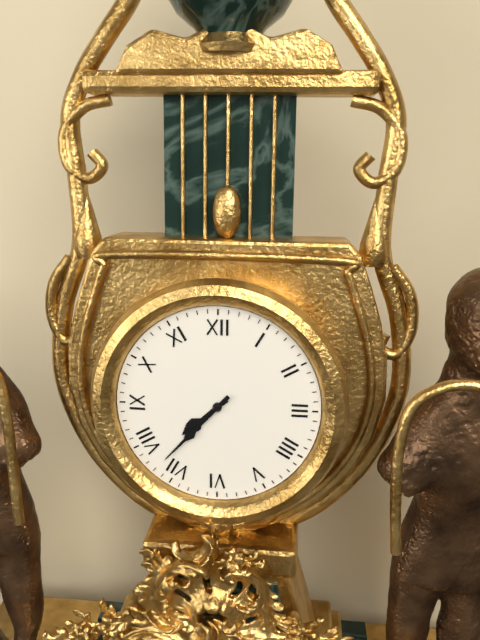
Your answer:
{"hour": 7, "minute": 37}
